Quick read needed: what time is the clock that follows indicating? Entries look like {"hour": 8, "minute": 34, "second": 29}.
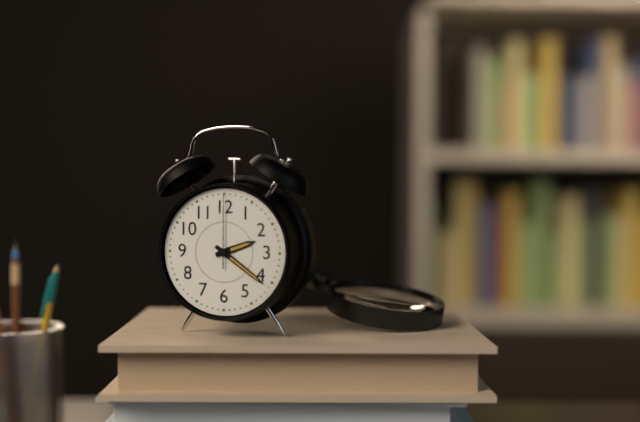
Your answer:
{"hour": 2, "minute": 21, "second": 0}
